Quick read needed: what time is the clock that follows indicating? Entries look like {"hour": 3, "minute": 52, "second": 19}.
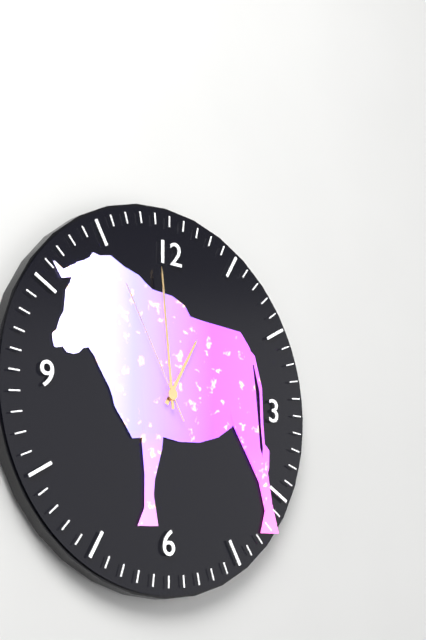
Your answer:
{"hour": 12, "minute": 59, "second": 55}
